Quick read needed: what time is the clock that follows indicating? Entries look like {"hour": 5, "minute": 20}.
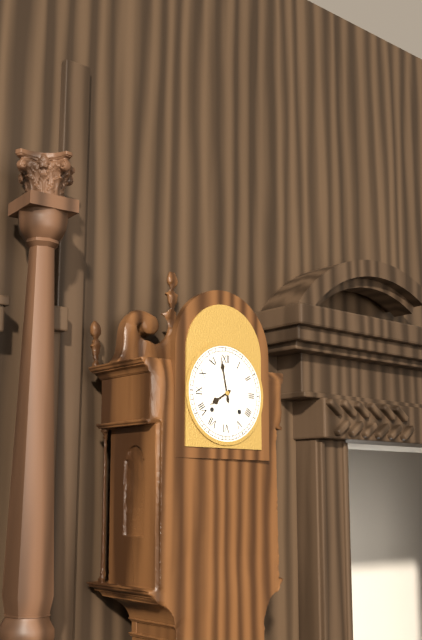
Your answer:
{"hour": 7, "minute": 58}
